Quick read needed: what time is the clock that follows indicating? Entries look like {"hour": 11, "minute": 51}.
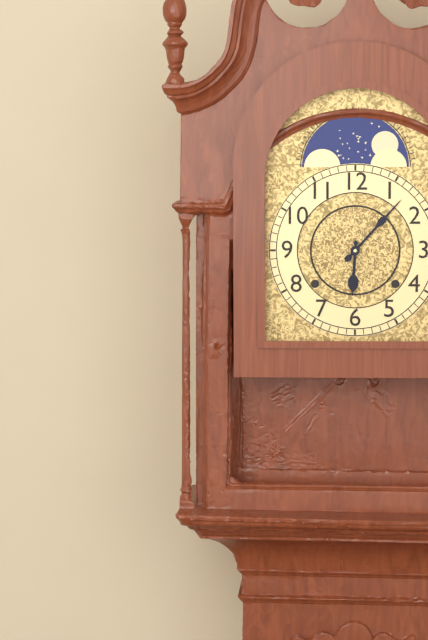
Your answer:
{"hour": 6, "minute": 7}
